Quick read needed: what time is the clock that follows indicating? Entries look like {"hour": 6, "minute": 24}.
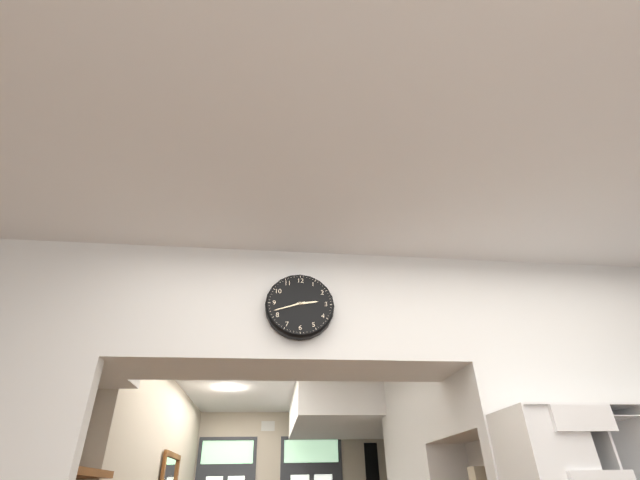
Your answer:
{"hour": 2, "minute": 42}
